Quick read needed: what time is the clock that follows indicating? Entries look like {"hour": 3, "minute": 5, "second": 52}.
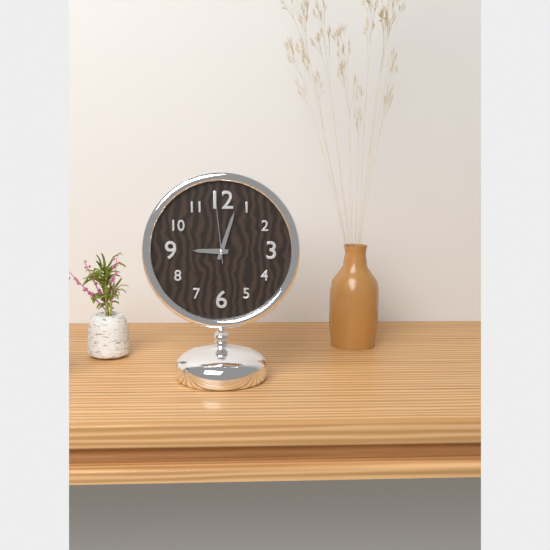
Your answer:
{"hour": 9, "minute": 3, "second": 59}
